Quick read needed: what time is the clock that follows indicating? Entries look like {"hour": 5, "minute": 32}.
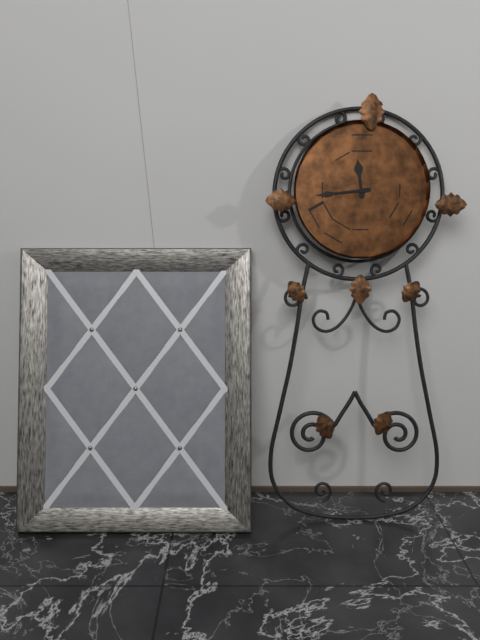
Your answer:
{"hour": 11, "minute": 44}
